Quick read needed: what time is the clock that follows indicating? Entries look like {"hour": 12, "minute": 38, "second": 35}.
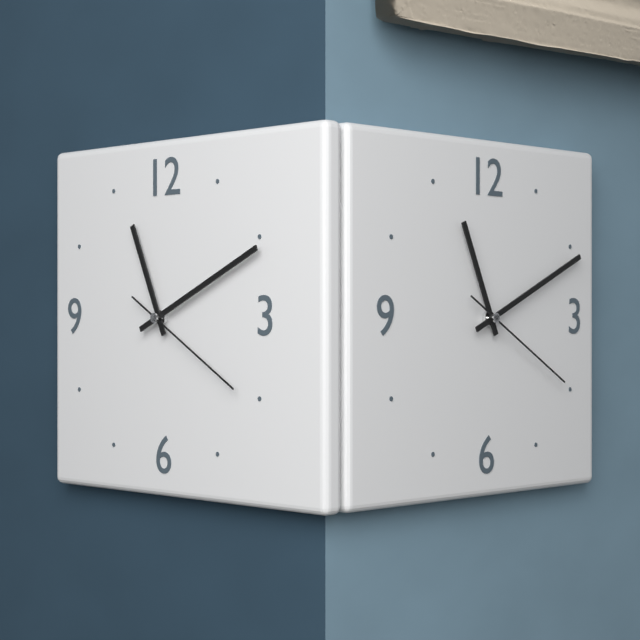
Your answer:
{"hour": 11, "minute": 11, "second": 20}
